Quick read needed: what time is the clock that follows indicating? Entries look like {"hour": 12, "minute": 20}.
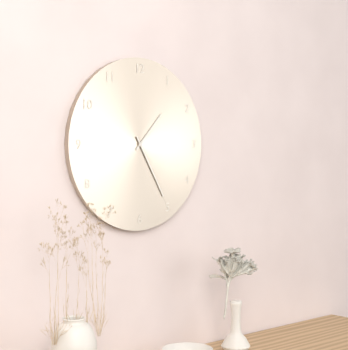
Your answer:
{"hour": 1, "minute": 25}
